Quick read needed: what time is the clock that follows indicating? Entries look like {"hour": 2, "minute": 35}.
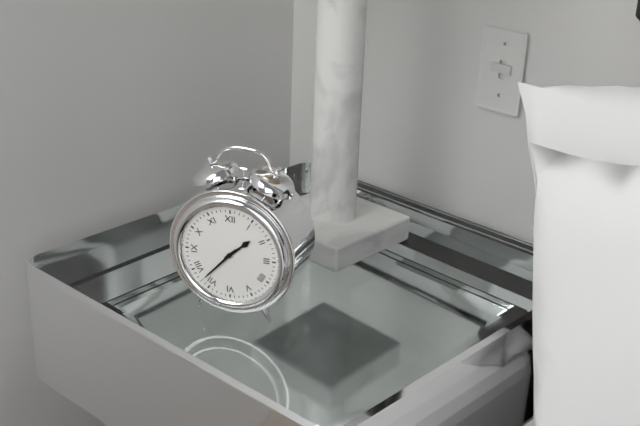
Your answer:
{"hour": 1, "minute": 37}
